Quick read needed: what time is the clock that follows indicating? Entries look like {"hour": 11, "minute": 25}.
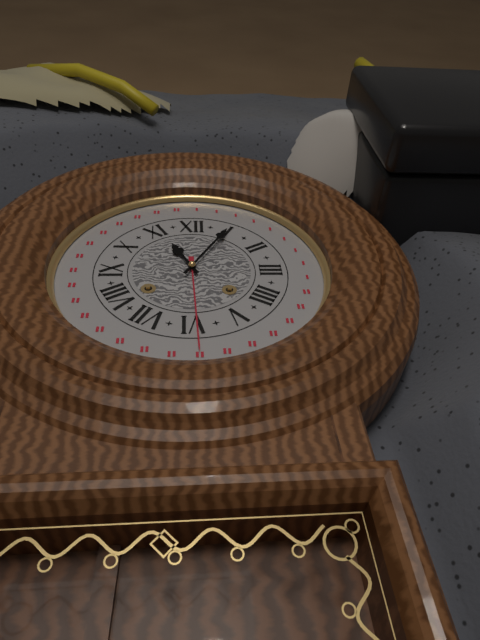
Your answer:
{"hour": 11, "minute": 5}
